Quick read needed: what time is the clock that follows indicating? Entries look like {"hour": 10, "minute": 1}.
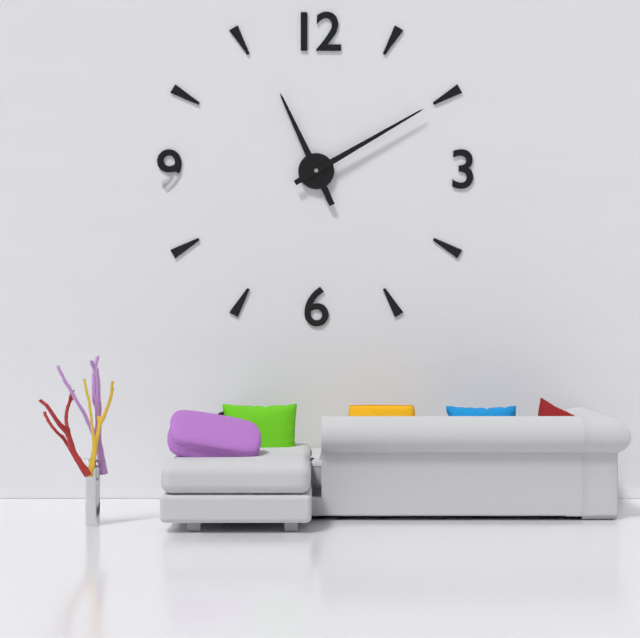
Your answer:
{"hour": 11, "minute": 10}
